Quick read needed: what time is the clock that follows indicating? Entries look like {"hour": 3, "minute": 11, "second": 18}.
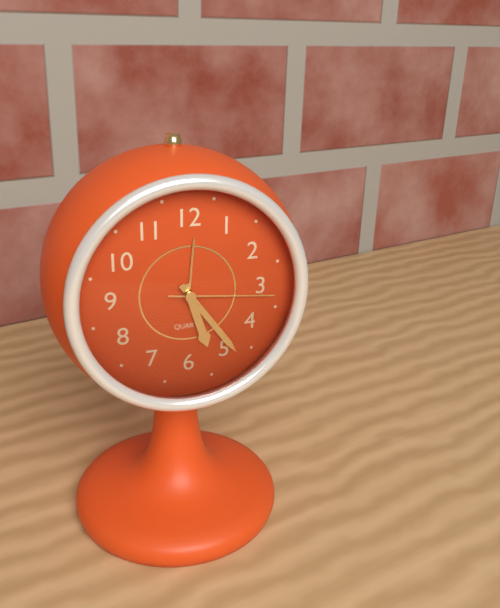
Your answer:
{"hour": 5, "minute": 24, "second": 16}
